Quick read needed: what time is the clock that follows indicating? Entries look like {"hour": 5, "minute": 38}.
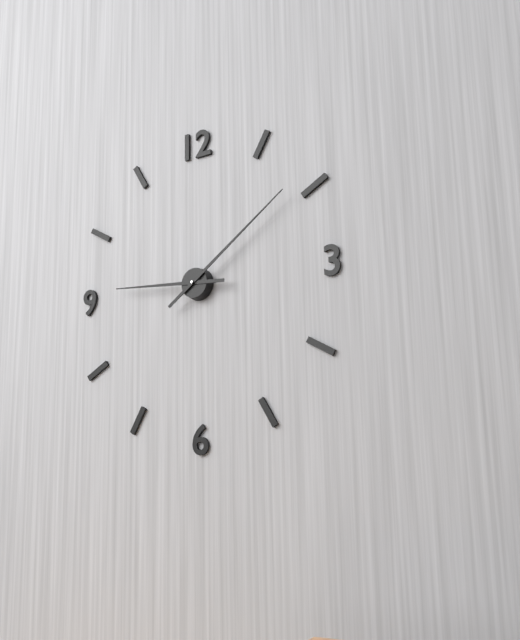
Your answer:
{"hour": 9, "minute": 9}
